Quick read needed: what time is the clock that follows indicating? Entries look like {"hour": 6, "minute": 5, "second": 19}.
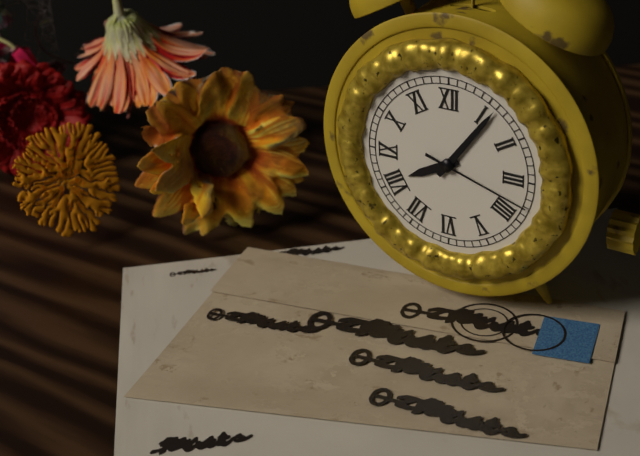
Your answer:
{"hour": 8, "minute": 6, "second": 18}
